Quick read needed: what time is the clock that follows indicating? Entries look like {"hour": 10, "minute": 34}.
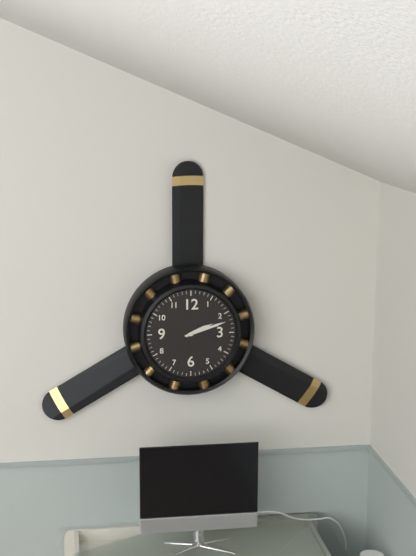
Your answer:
{"hour": 2, "minute": 12}
